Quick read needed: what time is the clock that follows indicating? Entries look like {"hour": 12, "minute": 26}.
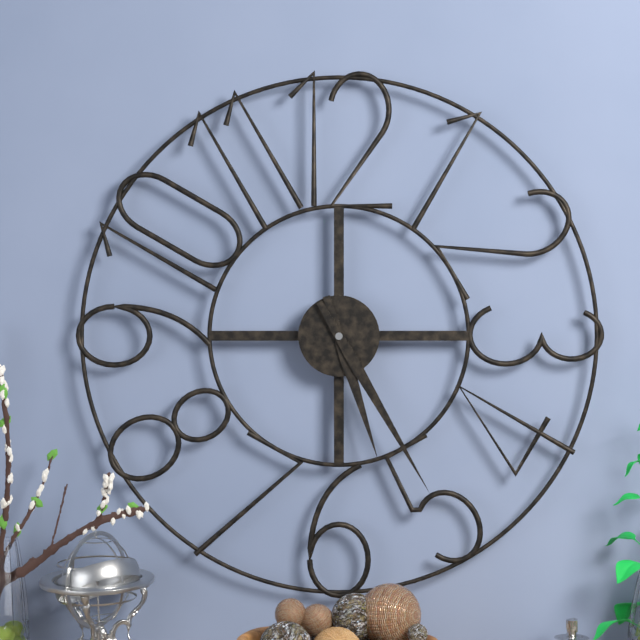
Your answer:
{"hour": 5, "minute": 25}
